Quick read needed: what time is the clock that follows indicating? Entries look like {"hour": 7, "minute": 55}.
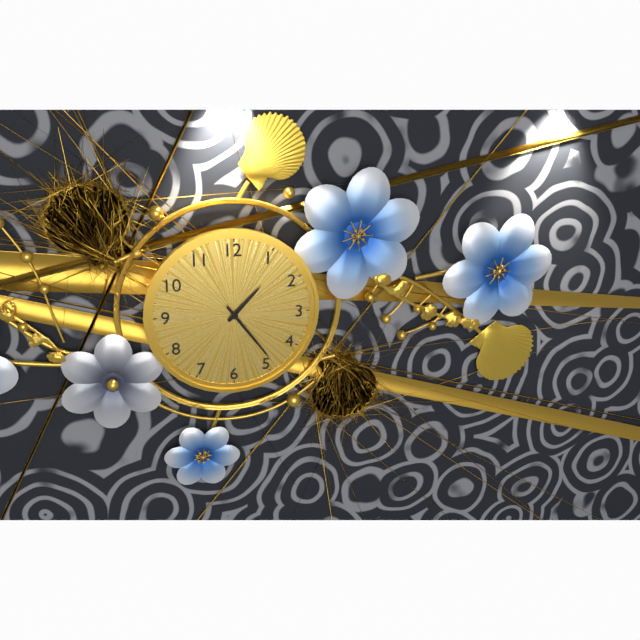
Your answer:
{"hour": 1, "minute": 24}
